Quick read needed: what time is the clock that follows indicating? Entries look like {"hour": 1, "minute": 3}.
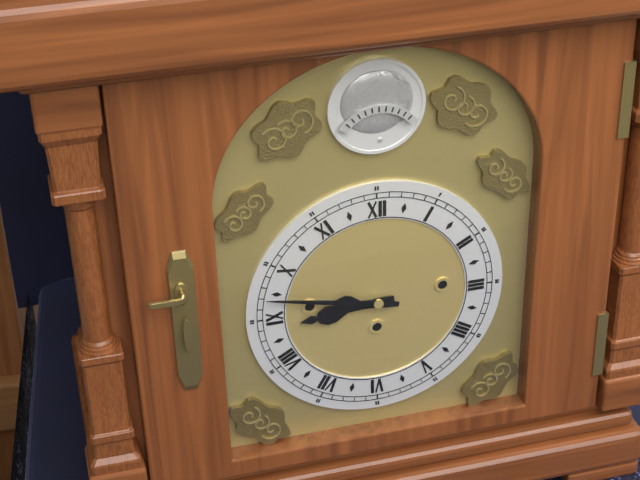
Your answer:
{"hour": 8, "minute": 47}
